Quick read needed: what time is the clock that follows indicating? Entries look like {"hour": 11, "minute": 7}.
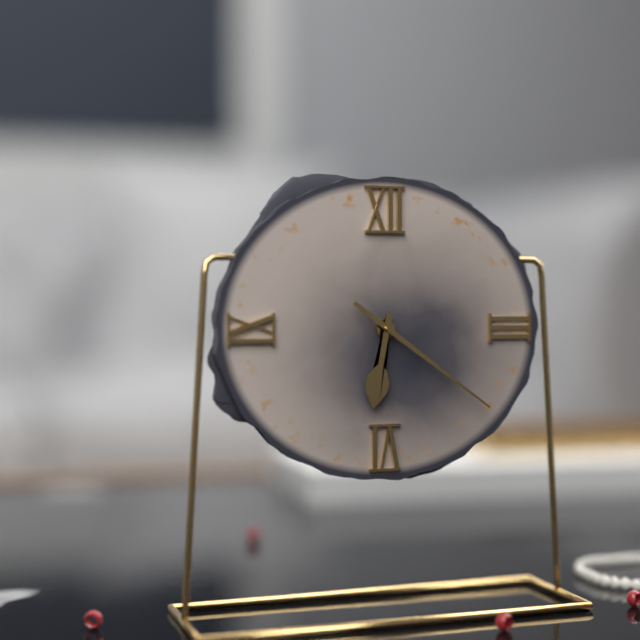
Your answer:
{"hour": 6, "minute": 21}
